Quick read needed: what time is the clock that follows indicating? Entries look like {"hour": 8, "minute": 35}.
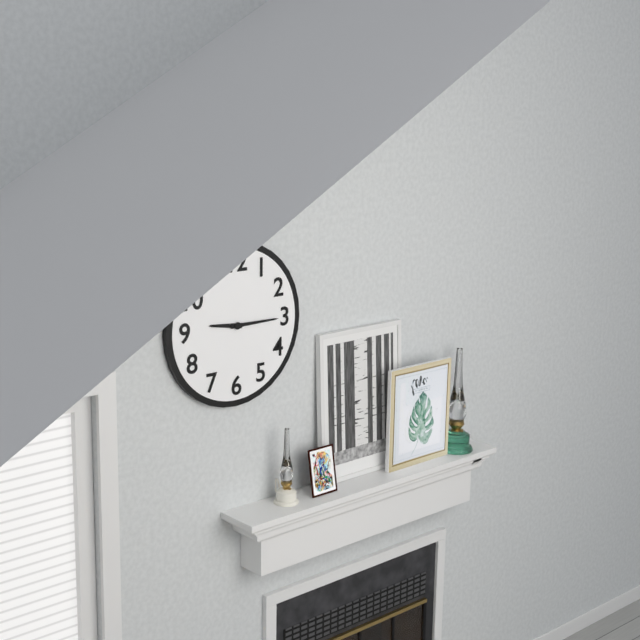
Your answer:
{"hour": 9, "minute": 15}
